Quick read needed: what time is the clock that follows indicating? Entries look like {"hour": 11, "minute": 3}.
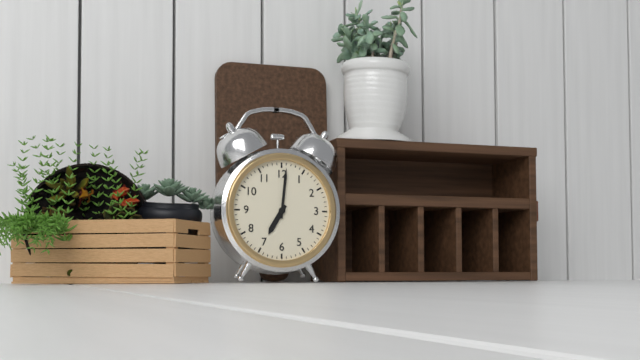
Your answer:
{"hour": 7, "minute": 1}
